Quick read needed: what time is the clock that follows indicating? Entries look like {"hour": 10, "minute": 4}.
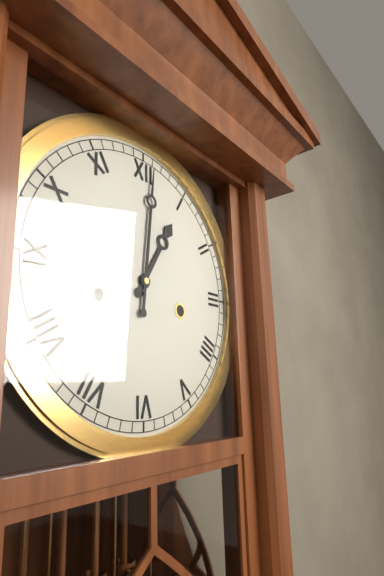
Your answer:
{"hour": 1, "minute": 1}
